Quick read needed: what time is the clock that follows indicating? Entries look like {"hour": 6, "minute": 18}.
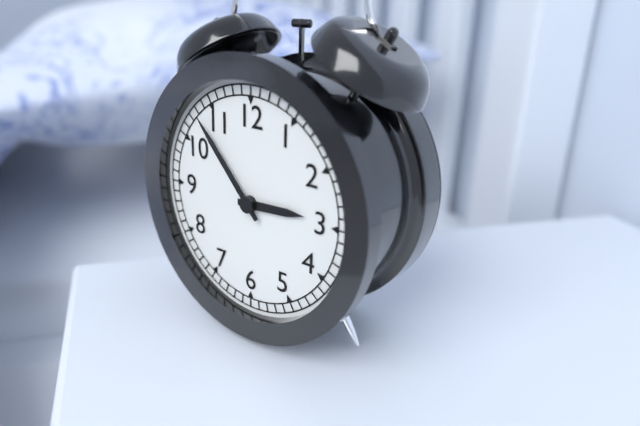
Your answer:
{"hour": 2, "minute": 53}
